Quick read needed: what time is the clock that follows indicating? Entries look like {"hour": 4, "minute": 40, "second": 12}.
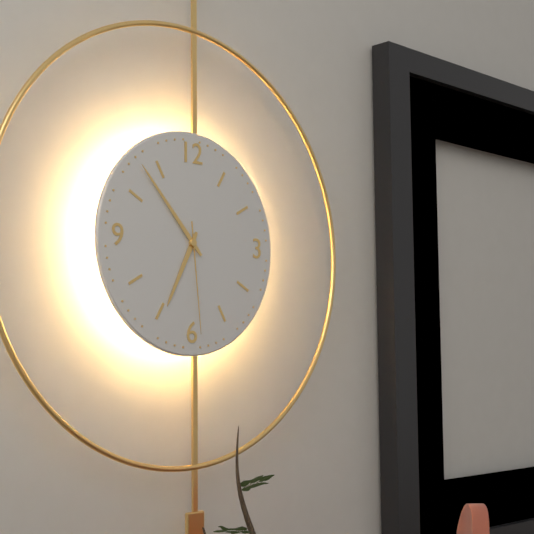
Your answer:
{"hour": 6, "minute": 53, "second": 29}
